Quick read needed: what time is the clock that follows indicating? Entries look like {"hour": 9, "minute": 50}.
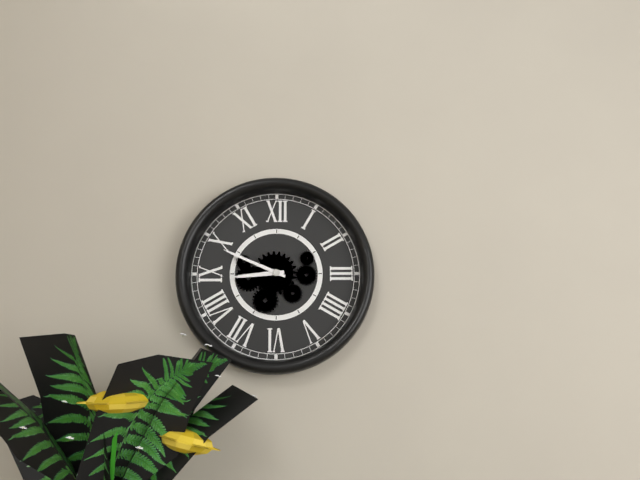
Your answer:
{"hour": 8, "minute": 49}
